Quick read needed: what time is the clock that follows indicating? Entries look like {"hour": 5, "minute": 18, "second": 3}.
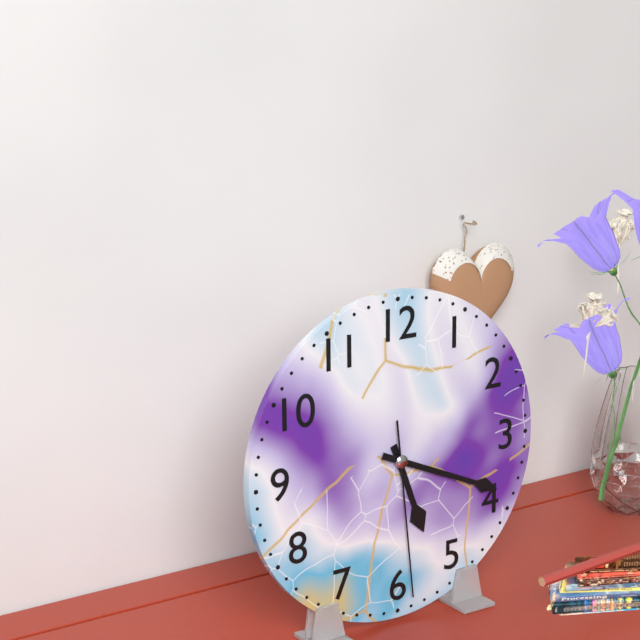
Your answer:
{"hour": 5, "minute": 19, "second": 29}
